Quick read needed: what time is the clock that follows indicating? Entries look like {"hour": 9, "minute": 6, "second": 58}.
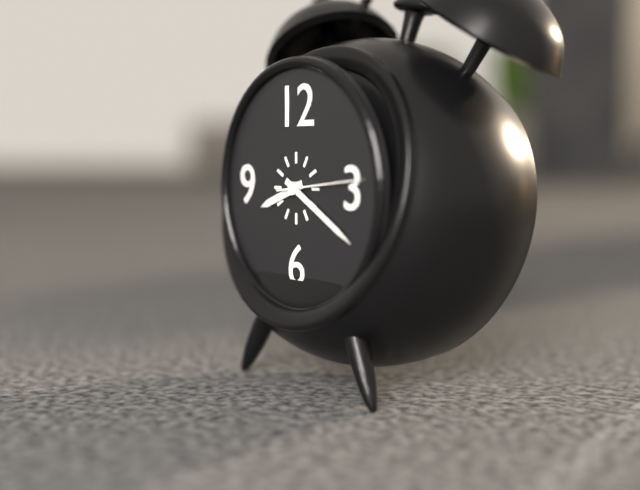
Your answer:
{"hour": 8, "minute": 20, "second": 14}
